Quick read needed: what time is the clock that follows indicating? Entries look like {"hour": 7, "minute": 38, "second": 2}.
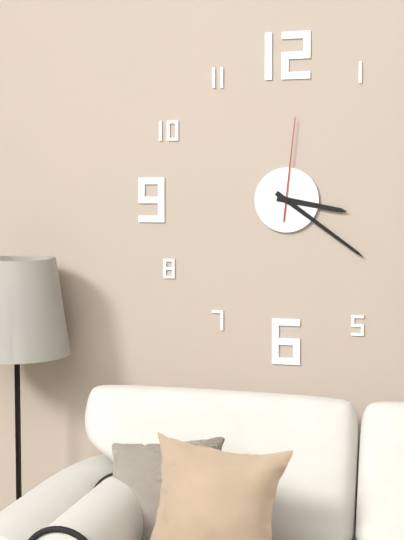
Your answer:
{"hour": 3, "minute": 21, "second": 1}
